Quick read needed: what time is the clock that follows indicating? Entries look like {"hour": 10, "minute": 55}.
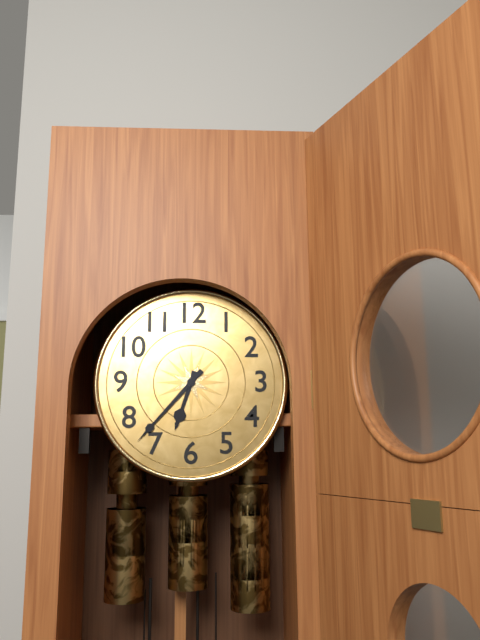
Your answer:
{"hour": 6, "minute": 37}
